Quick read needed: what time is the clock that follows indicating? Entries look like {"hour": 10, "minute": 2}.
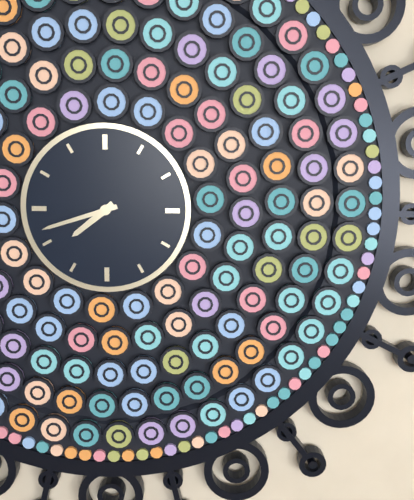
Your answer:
{"hour": 7, "minute": 42}
